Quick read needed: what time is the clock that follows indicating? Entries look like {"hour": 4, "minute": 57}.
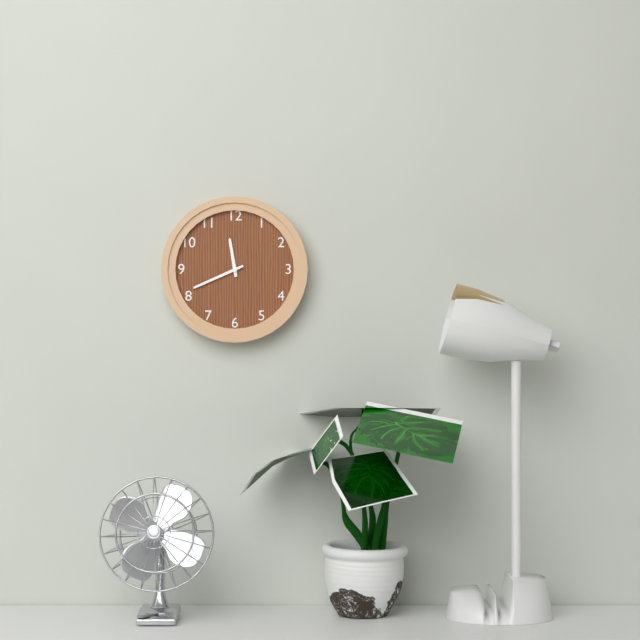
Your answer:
{"hour": 11, "minute": 41}
